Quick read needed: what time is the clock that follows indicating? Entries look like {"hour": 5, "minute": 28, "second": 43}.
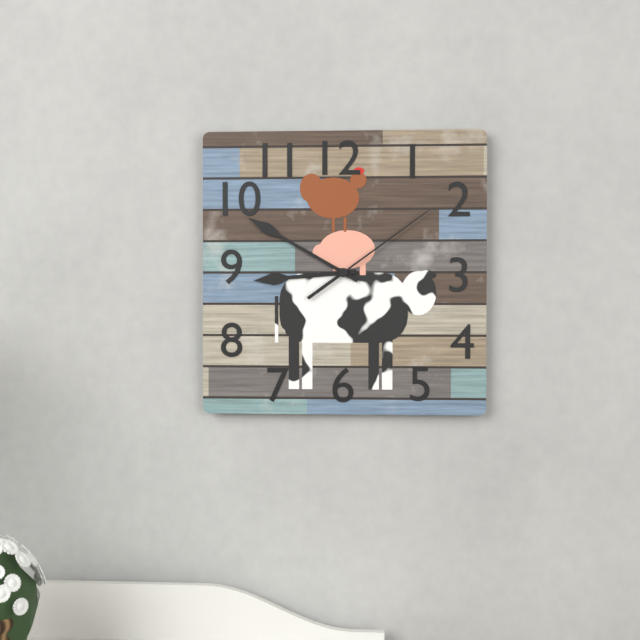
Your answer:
{"hour": 8, "minute": 50, "second": 9}
